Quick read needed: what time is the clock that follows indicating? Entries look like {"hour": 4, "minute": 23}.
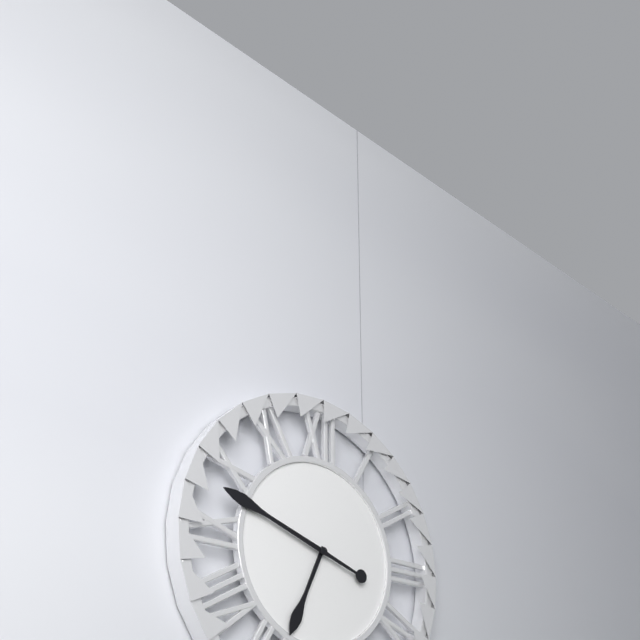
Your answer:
{"hour": 6, "minute": 48}
